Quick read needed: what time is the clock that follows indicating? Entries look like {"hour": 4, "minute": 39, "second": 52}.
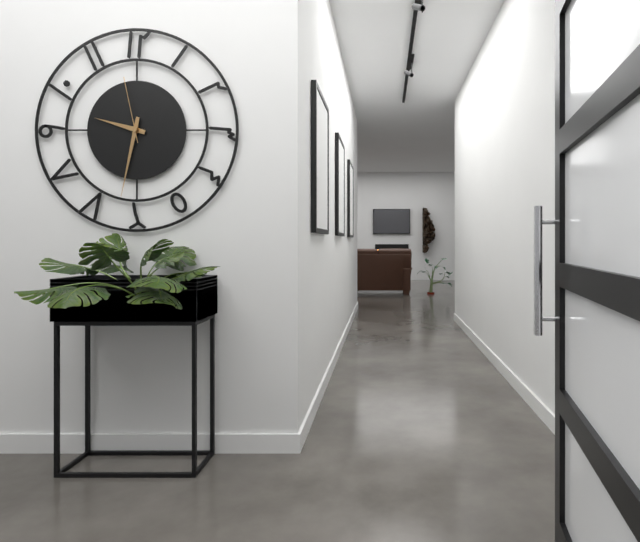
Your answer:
{"hour": 9, "minute": 32, "second": 58}
